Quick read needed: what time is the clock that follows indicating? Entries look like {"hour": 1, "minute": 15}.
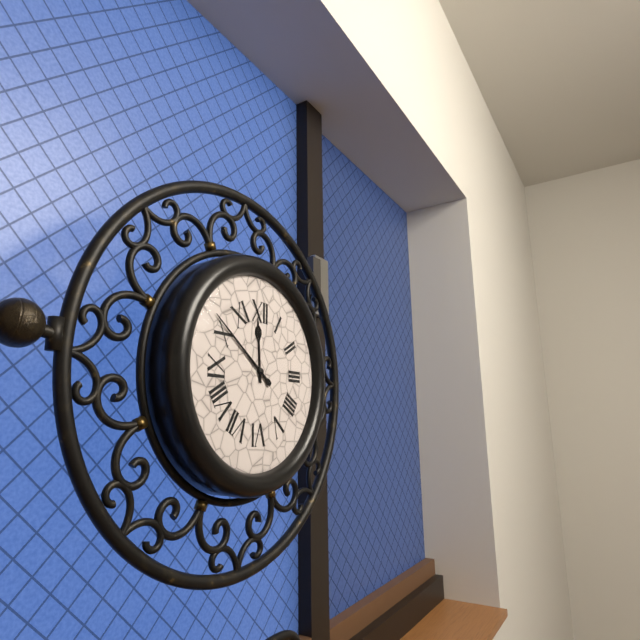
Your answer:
{"hour": 11, "minute": 51}
